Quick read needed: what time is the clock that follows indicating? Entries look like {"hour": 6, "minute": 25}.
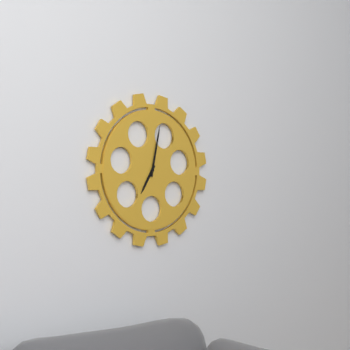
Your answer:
{"hour": 7, "minute": 2}
